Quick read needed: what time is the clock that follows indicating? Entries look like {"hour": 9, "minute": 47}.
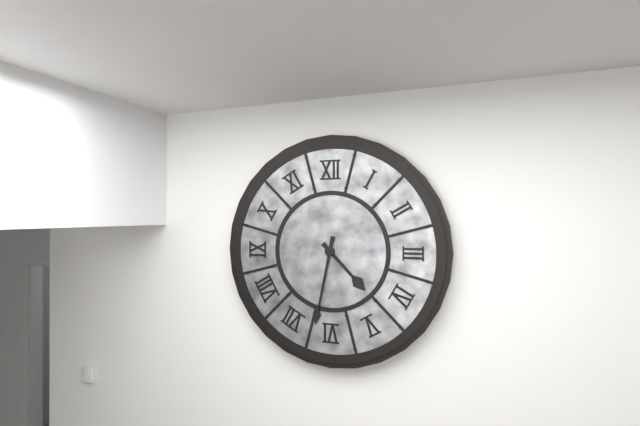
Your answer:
{"hour": 4, "minute": 32}
